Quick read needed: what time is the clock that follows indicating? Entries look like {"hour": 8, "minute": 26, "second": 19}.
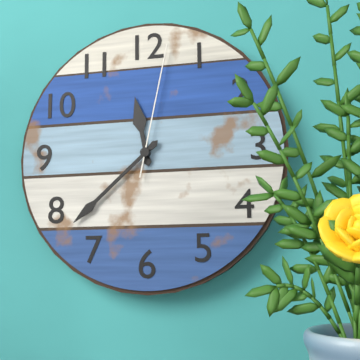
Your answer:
{"hour": 11, "minute": 38, "second": 2}
